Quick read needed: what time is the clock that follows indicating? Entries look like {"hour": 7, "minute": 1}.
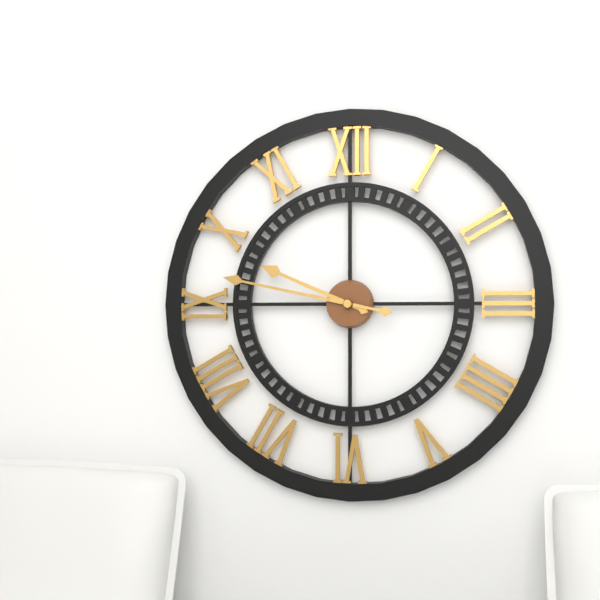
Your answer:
{"hour": 9, "minute": 47}
